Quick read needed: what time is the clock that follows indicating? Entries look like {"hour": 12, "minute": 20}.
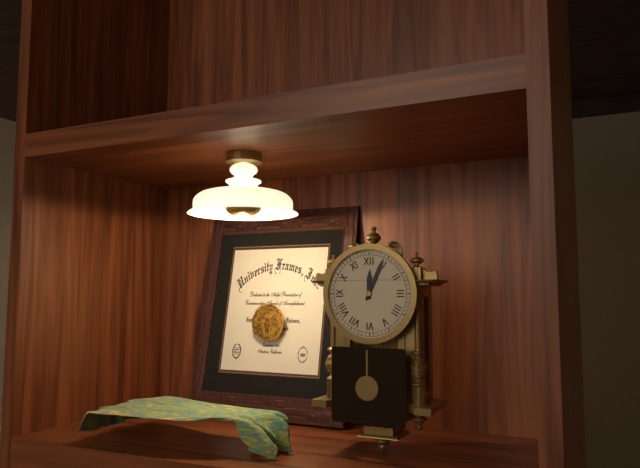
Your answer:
{"hour": 12, "minute": 4}
